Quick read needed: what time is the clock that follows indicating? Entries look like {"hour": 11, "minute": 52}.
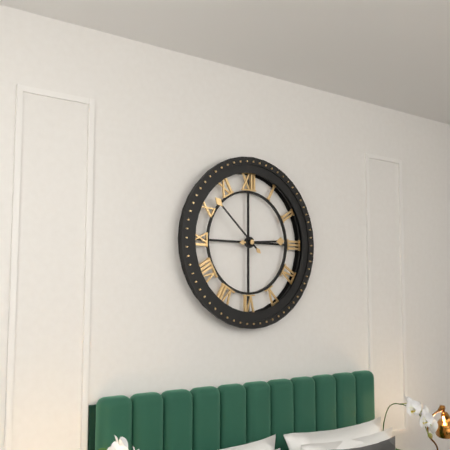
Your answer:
{"hour": 2, "minute": 52}
